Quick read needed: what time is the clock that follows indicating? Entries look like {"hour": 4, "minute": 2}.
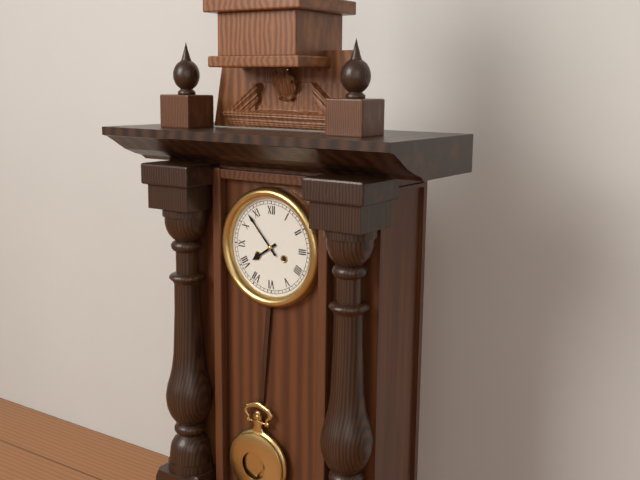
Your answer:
{"hour": 7, "minute": 53}
